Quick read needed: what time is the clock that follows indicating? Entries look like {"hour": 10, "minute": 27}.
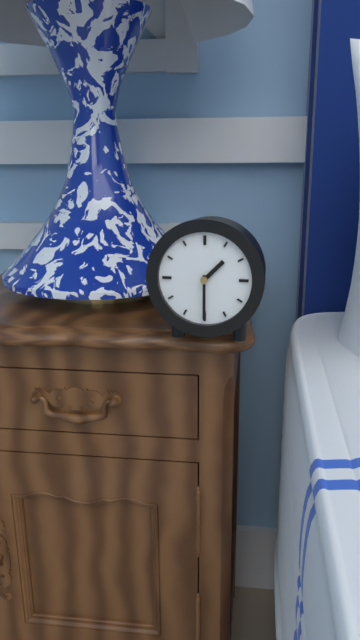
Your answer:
{"hour": 1, "minute": 30}
